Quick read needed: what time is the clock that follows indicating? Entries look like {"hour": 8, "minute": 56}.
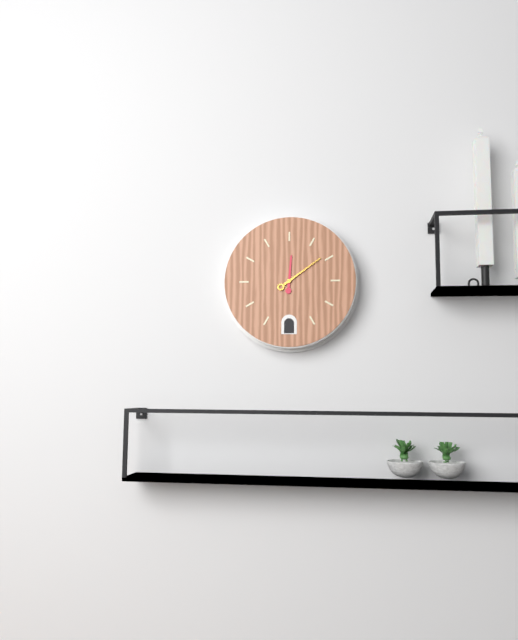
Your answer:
{"hour": 12, "minute": 9}
